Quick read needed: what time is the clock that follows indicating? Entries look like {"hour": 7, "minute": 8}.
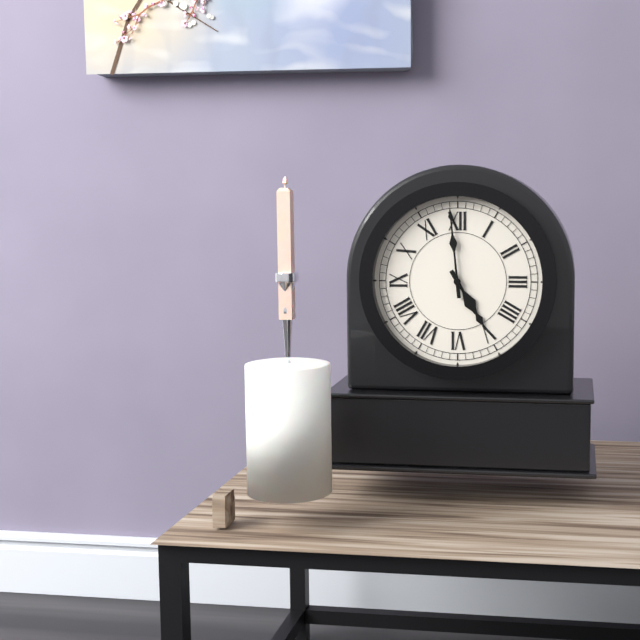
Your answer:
{"hour": 4, "minute": 59}
